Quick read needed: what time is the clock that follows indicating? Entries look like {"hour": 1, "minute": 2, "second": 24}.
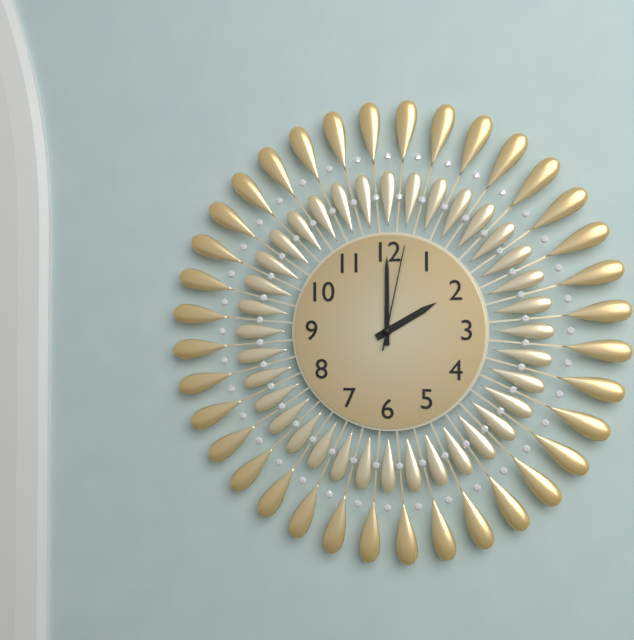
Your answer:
{"hour": 2, "minute": 0, "second": 2}
